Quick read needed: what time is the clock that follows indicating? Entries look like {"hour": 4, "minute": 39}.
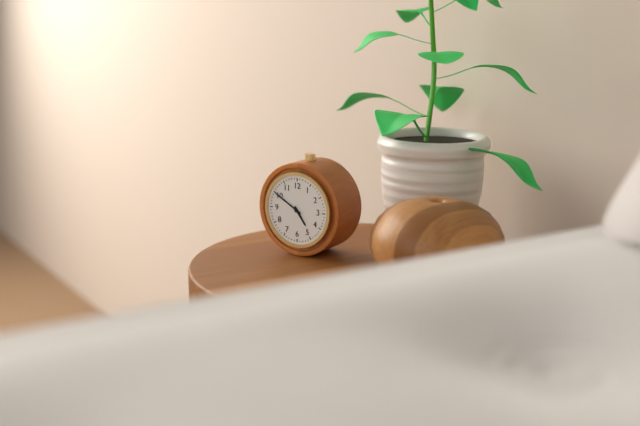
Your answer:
{"hour": 4, "minute": 50}
